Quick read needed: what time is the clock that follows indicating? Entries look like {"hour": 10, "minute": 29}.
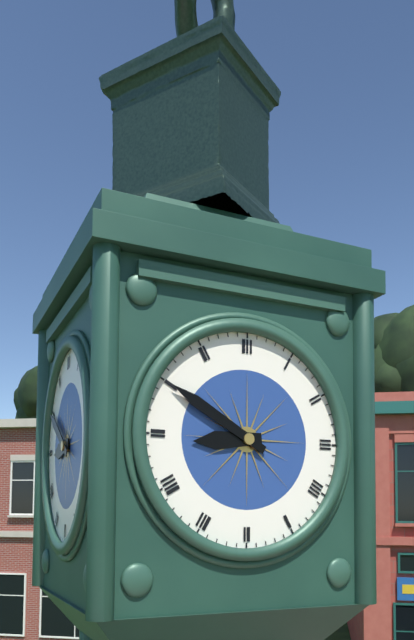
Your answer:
{"hour": 8, "minute": 50}
